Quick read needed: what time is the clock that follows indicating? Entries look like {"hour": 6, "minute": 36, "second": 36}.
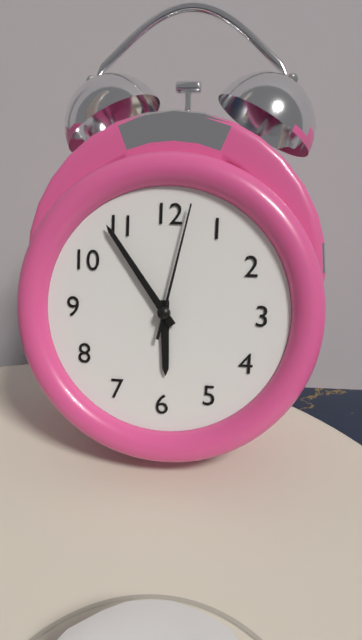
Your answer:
{"hour": 5, "minute": 54, "second": 2}
